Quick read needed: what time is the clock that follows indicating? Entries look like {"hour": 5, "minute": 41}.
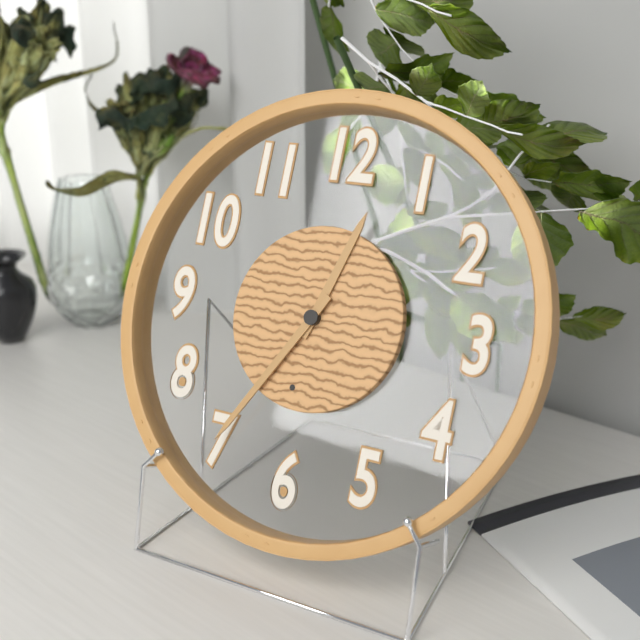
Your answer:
{"hour": 12, "minute": 35}
